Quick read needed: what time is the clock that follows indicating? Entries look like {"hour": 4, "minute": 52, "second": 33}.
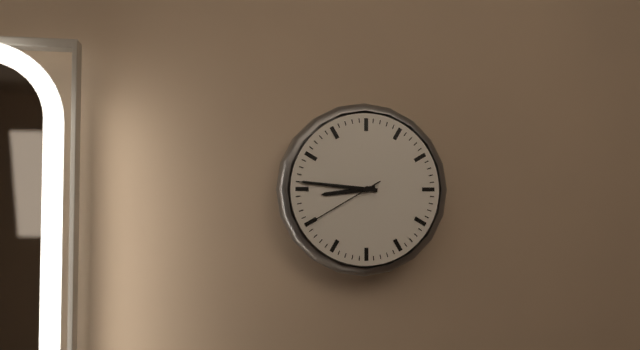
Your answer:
{"hour": 8, "minute": 46, "second": 40}
